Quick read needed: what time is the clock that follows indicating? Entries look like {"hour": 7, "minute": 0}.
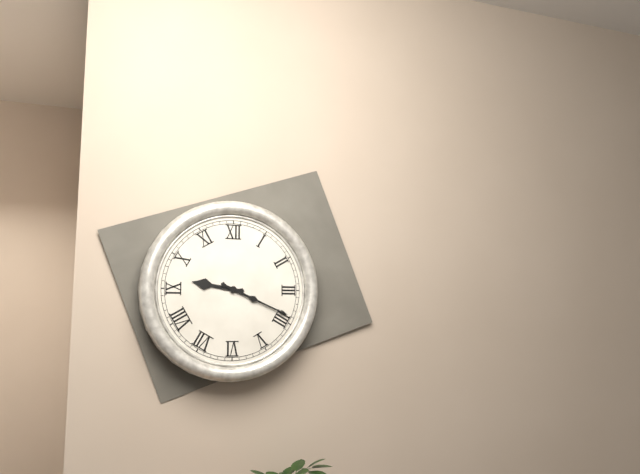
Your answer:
{"hour": 9, "minute": 19}
